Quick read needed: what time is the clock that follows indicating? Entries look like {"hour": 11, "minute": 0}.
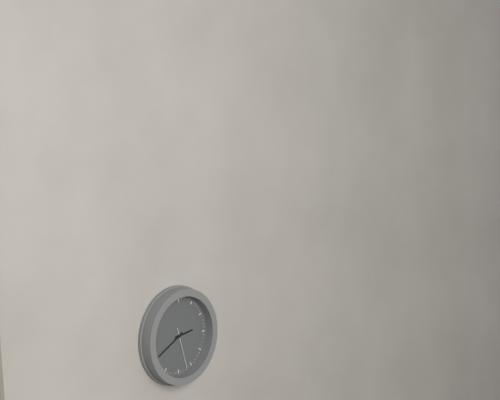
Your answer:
{"hour": 2, "minute": 40}
